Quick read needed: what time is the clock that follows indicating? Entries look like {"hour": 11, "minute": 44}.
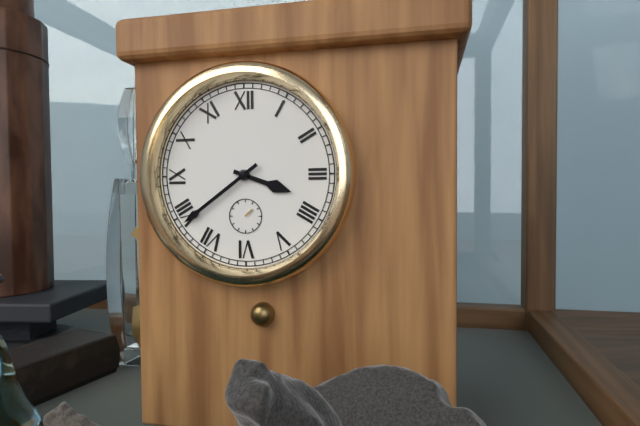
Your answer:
{"hour": 3, "minute": 39}
